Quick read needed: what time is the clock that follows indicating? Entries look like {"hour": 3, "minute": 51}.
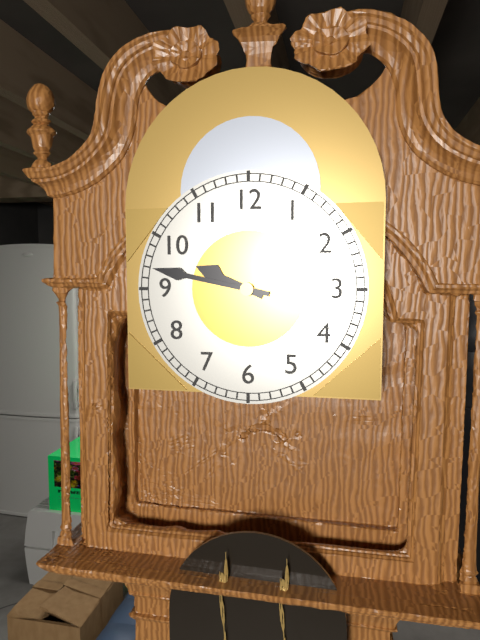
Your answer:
{"hour": 9, "minute": 47}
